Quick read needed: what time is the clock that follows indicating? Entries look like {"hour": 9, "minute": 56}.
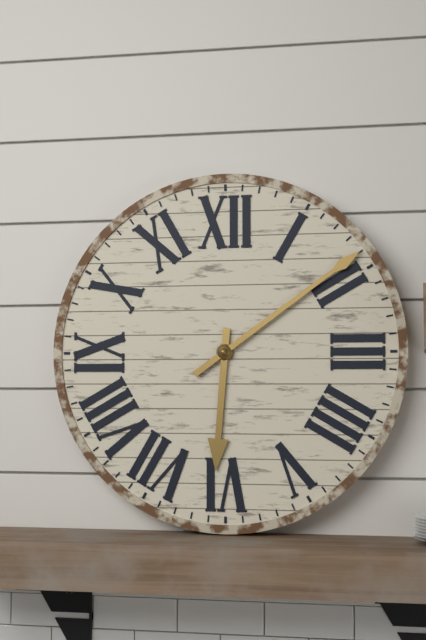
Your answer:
{"hour": 6, "minute": 9}
